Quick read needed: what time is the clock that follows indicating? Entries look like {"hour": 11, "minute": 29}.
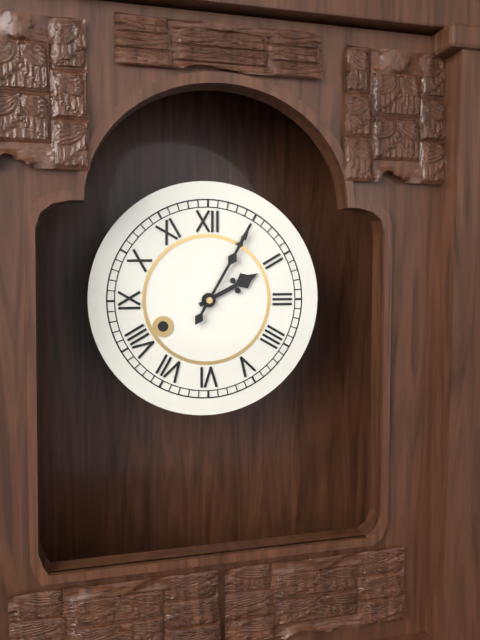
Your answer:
{"hour": 2, "minute": 5}
